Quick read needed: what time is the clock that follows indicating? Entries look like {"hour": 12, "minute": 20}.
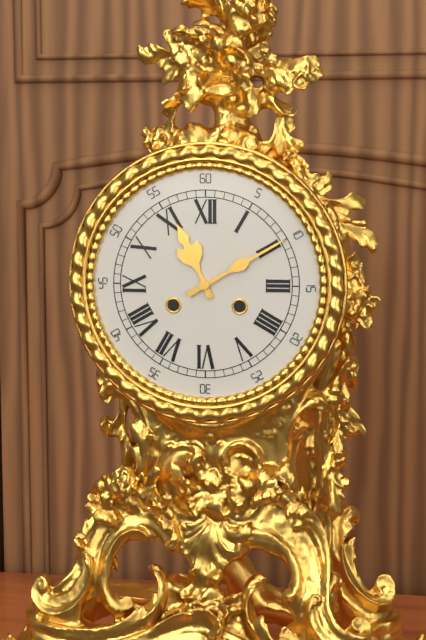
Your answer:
{"hour": 11, "minute": 10}
